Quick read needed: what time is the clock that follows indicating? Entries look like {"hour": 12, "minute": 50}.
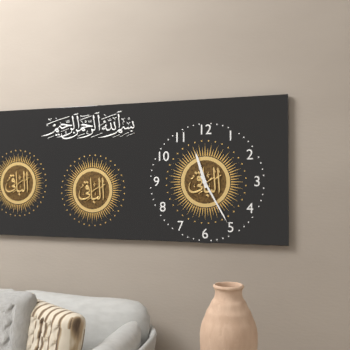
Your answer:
{"hour": 11, "minute": 25}
